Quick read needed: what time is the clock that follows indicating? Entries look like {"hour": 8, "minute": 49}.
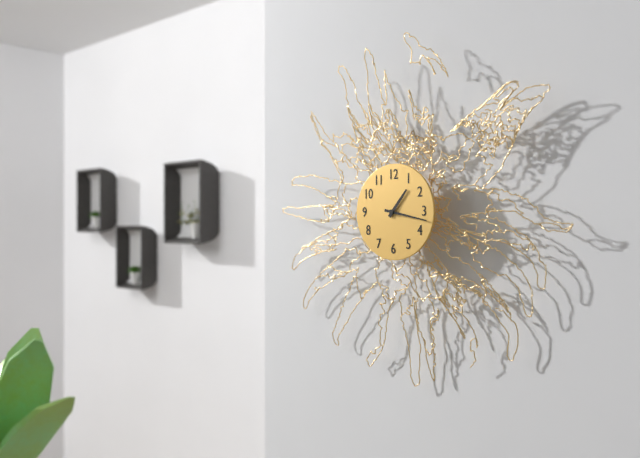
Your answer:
{"hour": 1, "minute": 17}
